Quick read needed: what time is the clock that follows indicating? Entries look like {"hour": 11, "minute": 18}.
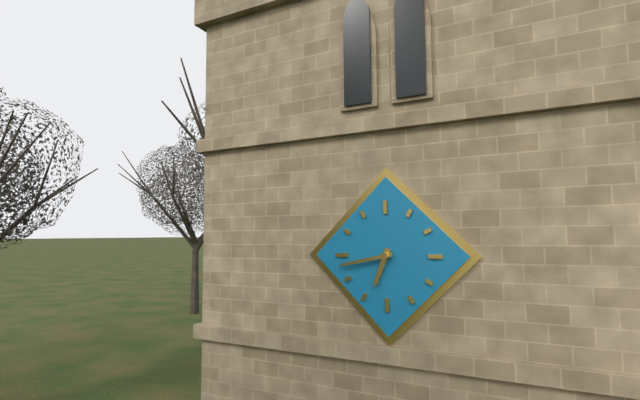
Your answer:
{"hour": 6, "minute": 43}
